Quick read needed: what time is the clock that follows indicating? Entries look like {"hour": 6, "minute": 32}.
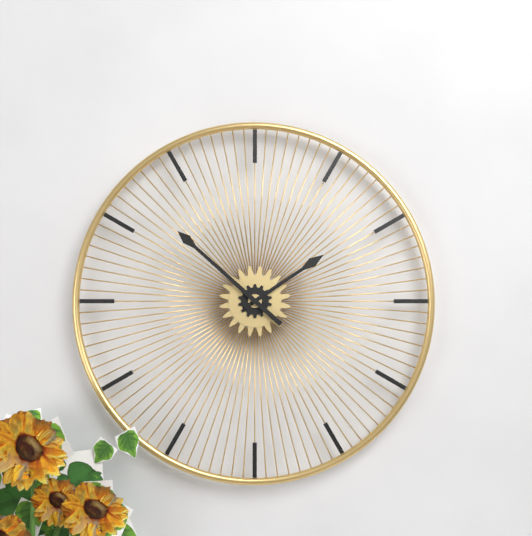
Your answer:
{"hour": 1, "minute": 52}
